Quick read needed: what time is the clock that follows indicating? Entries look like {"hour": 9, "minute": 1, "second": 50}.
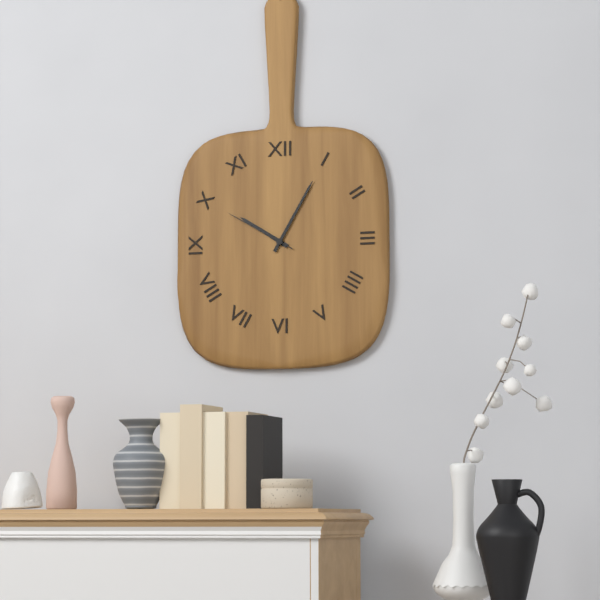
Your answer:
{"hour": 10, "minute": 5, "second": 50}
